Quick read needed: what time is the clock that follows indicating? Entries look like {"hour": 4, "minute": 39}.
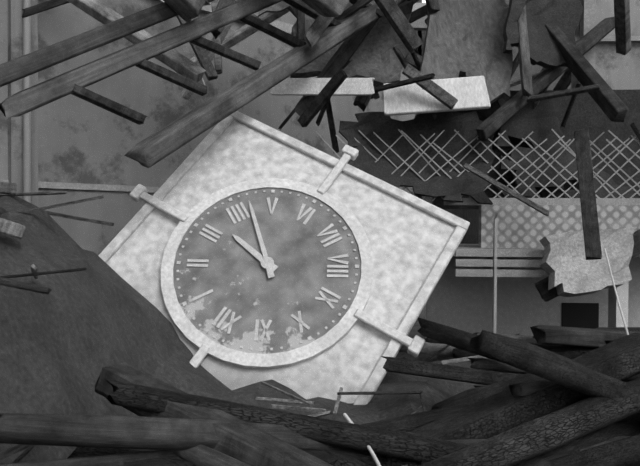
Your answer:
{"hour": 3, "minute": 22}
